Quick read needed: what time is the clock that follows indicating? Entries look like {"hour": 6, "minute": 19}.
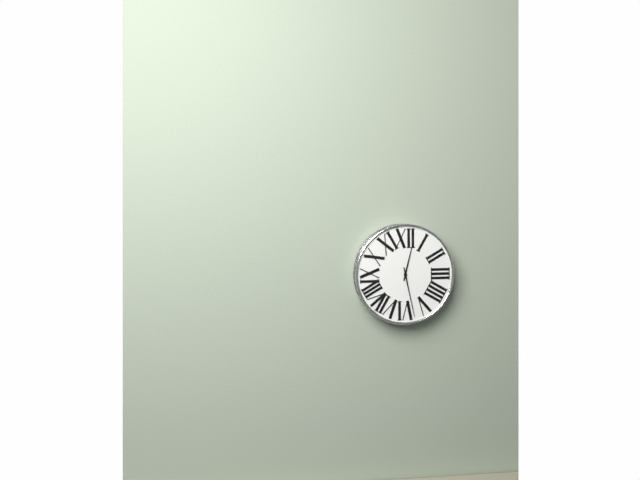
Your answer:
{"hour": 12, "minute": 28}
